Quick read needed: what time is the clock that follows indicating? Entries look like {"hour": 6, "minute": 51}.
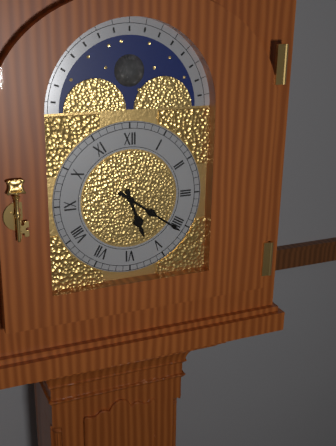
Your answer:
{"hour": 5, "minute": 21}
